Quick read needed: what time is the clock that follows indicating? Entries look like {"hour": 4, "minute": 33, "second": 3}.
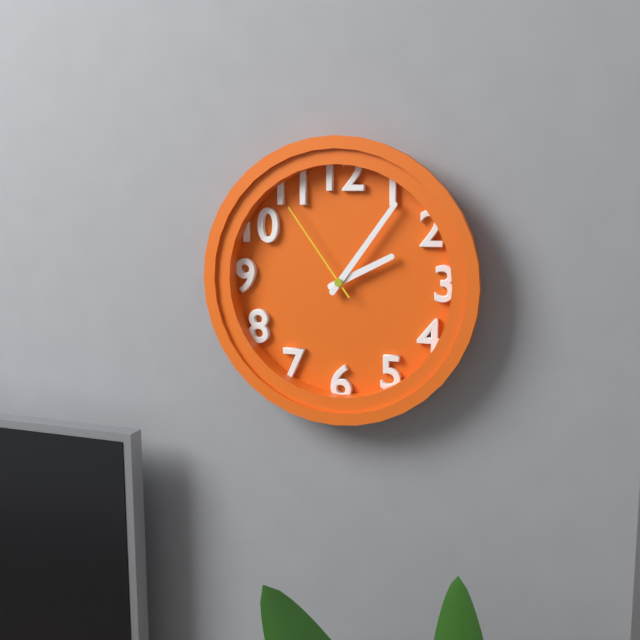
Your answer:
{"hour": 2, "minute": 6, "second": 54}
